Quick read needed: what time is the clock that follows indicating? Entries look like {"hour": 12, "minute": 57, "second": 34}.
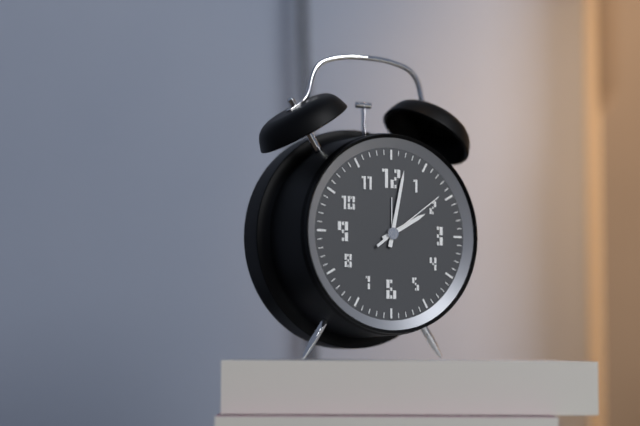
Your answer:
{"hour": 2, "minute": 2, "second": 9}
